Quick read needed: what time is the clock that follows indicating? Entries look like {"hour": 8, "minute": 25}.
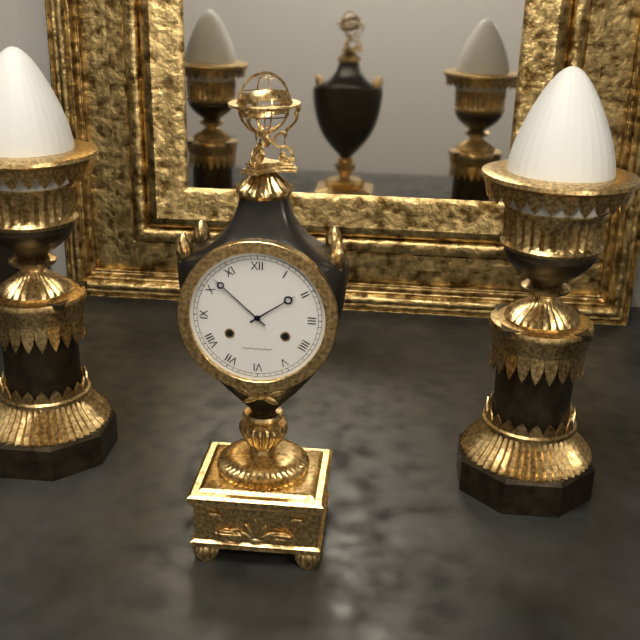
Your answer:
{"hour": 1, "minute": 52}
